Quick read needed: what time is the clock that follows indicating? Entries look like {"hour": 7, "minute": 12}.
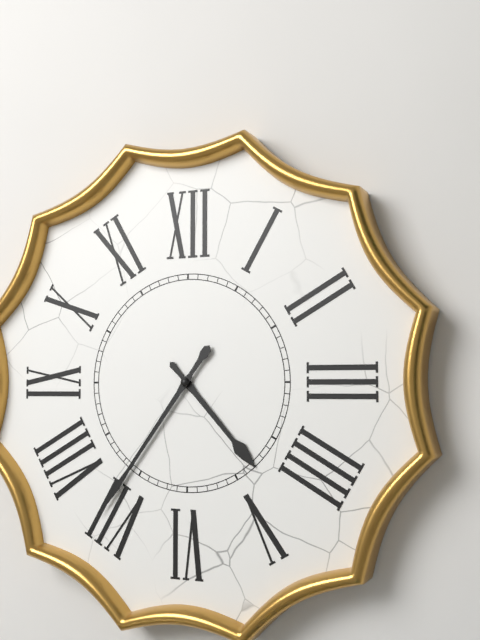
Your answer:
{"hour": 4, "minute": 36}
